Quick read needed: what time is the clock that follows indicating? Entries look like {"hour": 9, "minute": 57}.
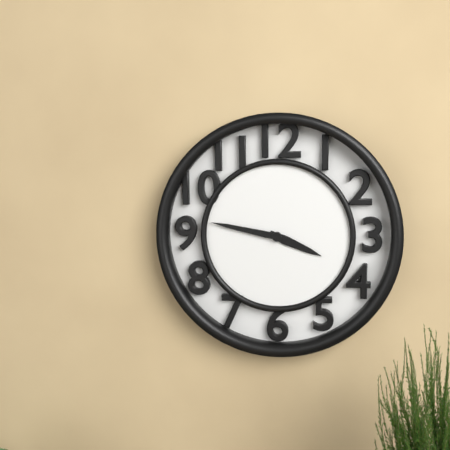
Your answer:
{"hour": 3, "minute": 47}
